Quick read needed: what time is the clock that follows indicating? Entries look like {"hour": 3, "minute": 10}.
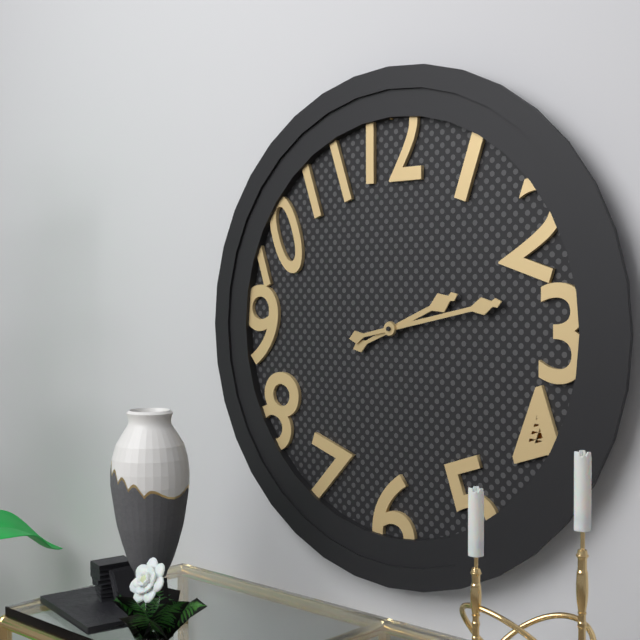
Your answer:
{"hour": 2, "minute": 13}
